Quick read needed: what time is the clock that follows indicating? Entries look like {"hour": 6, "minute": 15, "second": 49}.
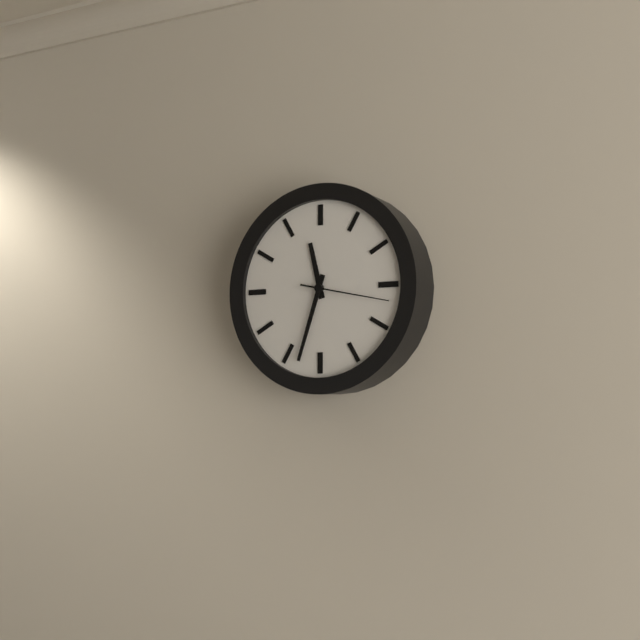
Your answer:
{"hour": 11, "minute": 33, "second": 17}
